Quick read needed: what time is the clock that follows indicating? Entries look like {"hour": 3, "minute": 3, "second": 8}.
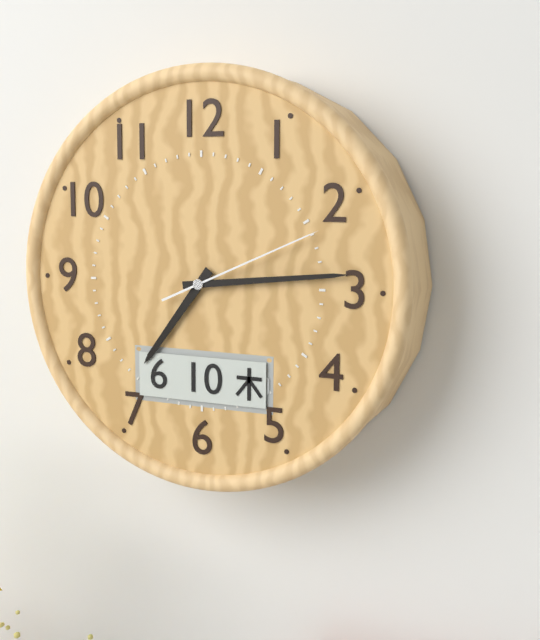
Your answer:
{"hour": 7, "minute": 14, "second": 11}
